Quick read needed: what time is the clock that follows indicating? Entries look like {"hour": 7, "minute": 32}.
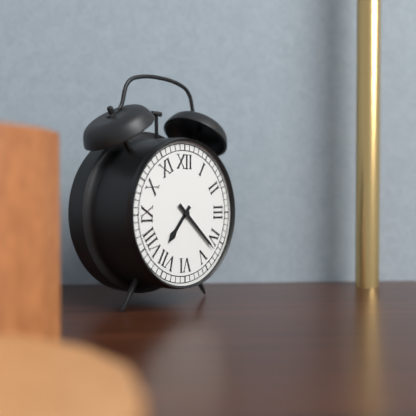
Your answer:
{"hour": 7, "minute": 22}
